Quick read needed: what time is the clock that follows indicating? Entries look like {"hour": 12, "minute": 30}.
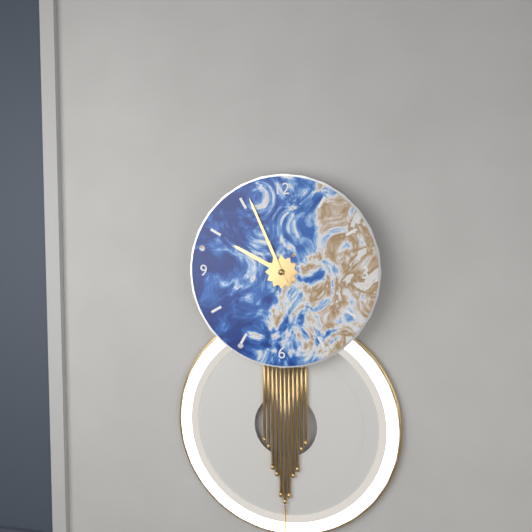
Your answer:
{"hour": 9, "minute": 56}
